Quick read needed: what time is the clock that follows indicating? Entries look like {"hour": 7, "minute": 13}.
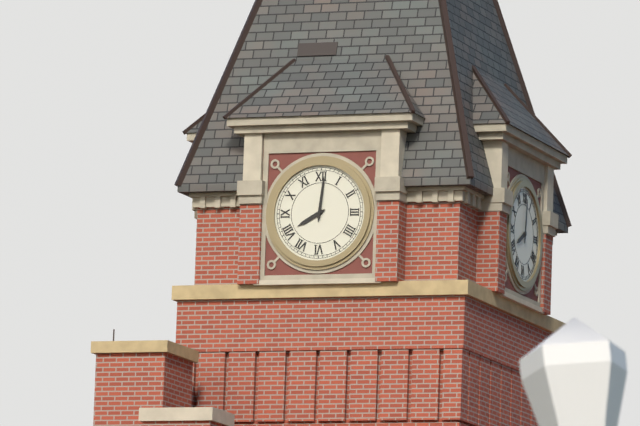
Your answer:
{"hour": 8, "minute": 1}
